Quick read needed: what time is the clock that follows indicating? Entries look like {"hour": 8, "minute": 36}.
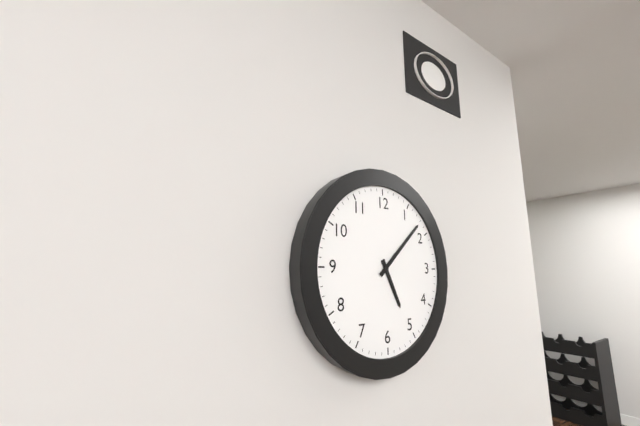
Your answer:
{"hour": 5, "minute": 8}
